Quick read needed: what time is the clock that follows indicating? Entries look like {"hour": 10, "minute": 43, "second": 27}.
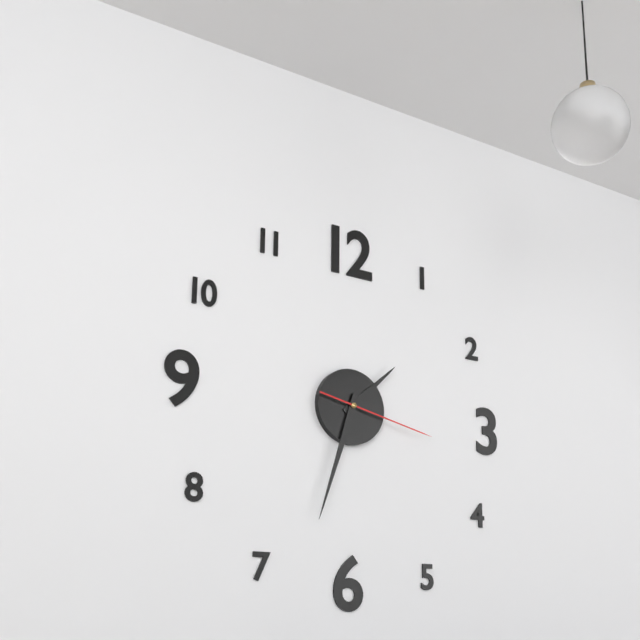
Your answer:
{"hour": 1, "minute": 33, "second": 17}
